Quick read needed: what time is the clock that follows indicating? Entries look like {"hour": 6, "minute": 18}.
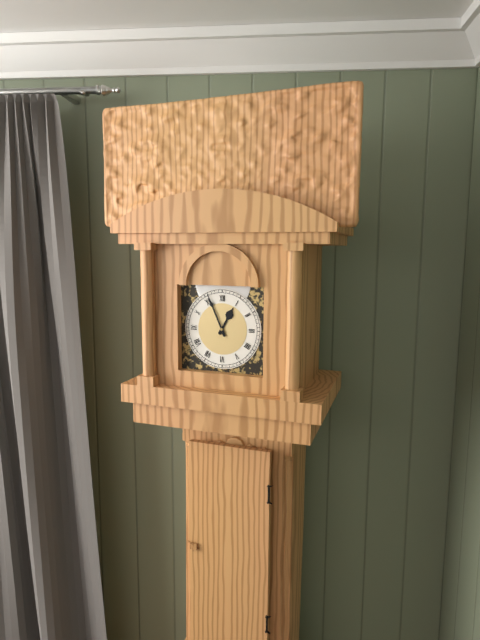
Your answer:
{"hour": 12, "minute": 56}
